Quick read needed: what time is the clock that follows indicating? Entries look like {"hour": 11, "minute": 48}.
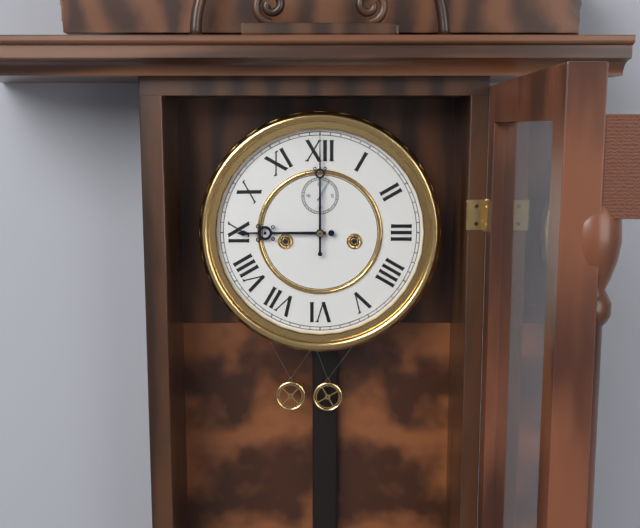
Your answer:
{"hour": 9, "minute": 0}
